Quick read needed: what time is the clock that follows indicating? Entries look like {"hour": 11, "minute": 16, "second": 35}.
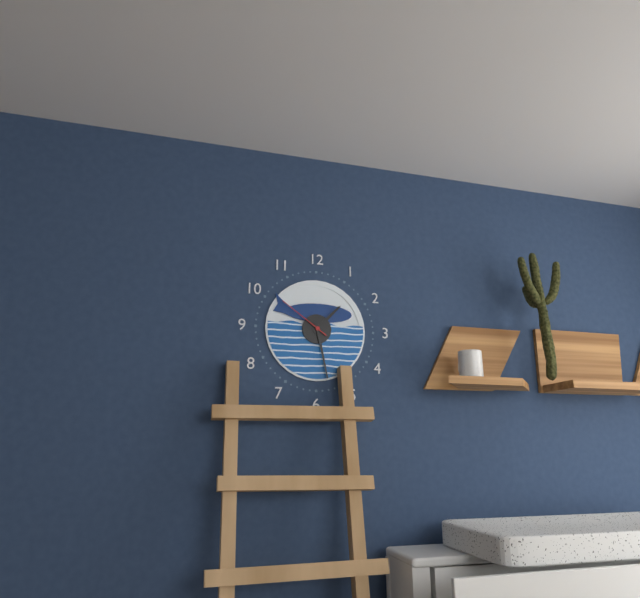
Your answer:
{"hour": 1, "minute": 28, "second": 51}
